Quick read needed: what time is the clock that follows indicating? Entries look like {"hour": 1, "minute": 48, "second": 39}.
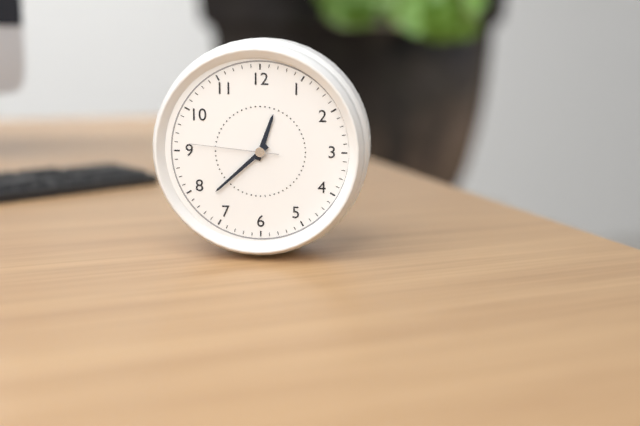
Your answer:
{"hour": 12, "minute": 38, "second": 46}
